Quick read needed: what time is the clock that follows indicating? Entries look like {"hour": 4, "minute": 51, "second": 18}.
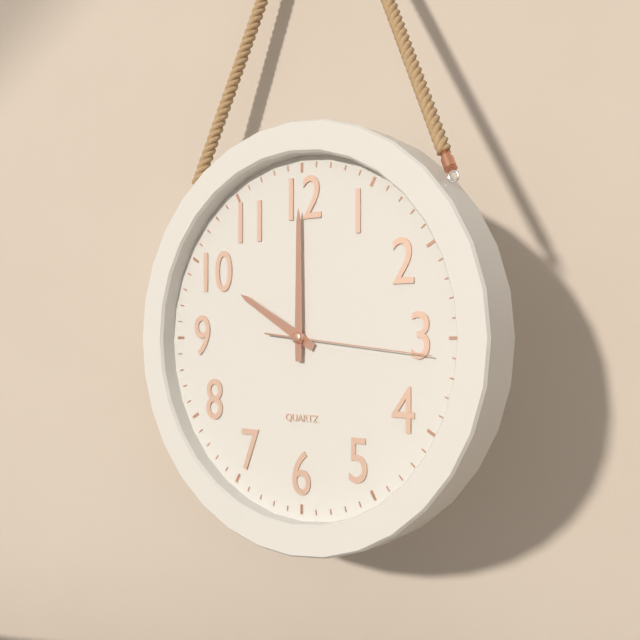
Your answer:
{"hour": 10, "minute": 0, "second": 16}
